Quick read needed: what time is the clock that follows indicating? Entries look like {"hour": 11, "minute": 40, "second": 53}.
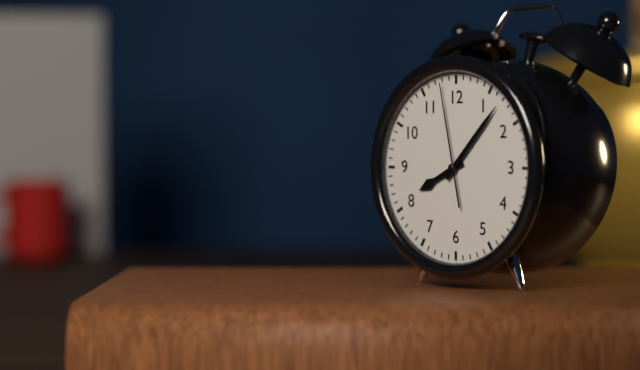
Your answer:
{"hour": 8, "minute": 7, "second": 58}
